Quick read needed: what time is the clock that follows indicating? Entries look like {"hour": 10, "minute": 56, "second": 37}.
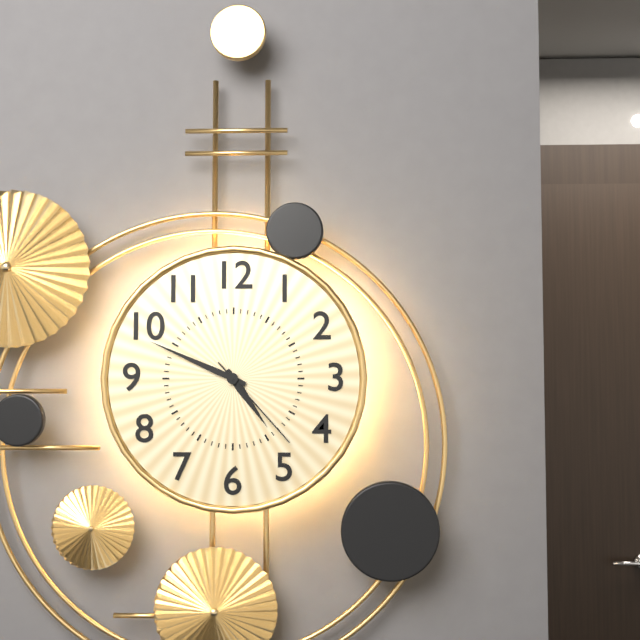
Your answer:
{"hour": 4, "minute": 49, "second": 23}
